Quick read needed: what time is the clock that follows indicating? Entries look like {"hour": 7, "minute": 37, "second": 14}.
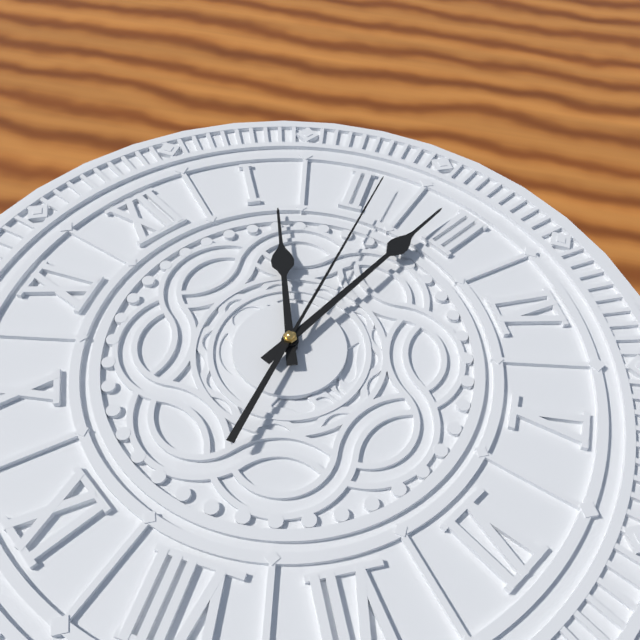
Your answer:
{"hour": 1, "minute": 14, "second": 11}
